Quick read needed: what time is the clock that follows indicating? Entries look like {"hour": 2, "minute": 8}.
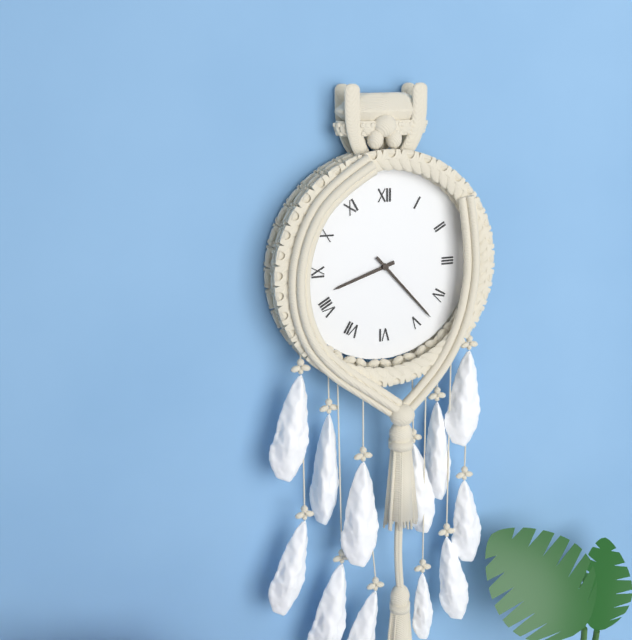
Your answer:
{"hour": 8, "minute": 23}
